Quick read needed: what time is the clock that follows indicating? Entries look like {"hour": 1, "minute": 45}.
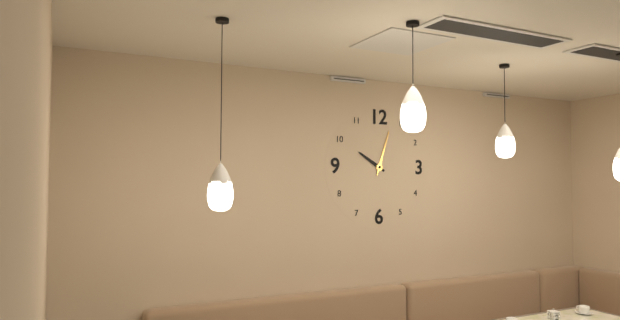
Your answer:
{"hour": 10, "minute": 3}
